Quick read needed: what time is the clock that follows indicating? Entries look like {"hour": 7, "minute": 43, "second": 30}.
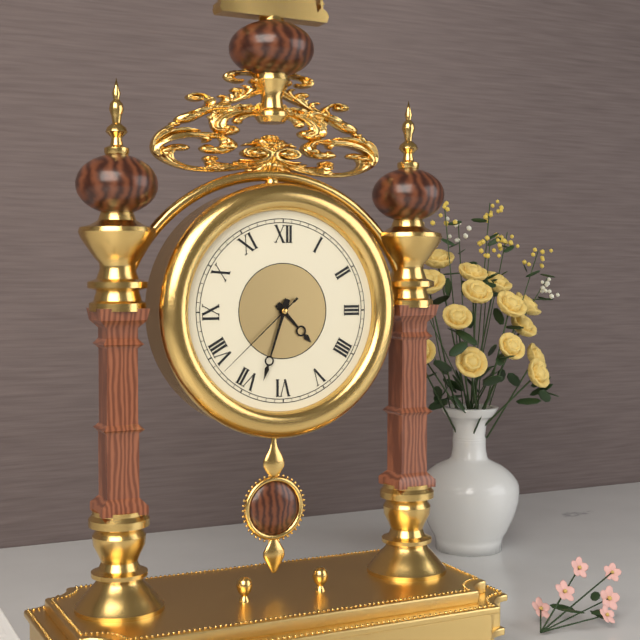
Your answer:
{"hour": 4, "minute": 33, "second": 38}
